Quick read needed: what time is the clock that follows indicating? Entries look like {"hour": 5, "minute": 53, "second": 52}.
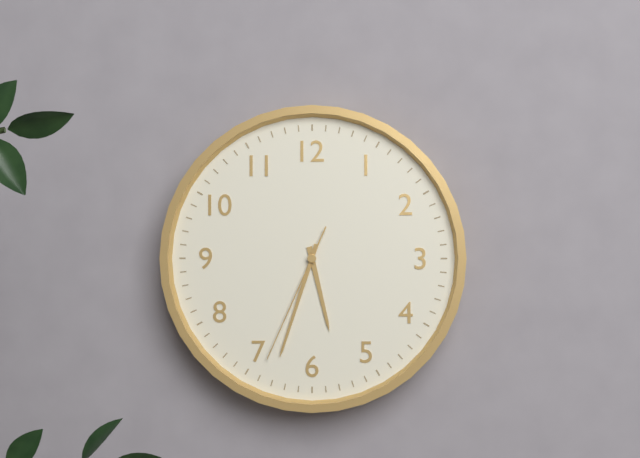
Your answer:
{"hour": 5, "minute": 33, "second": 34}
